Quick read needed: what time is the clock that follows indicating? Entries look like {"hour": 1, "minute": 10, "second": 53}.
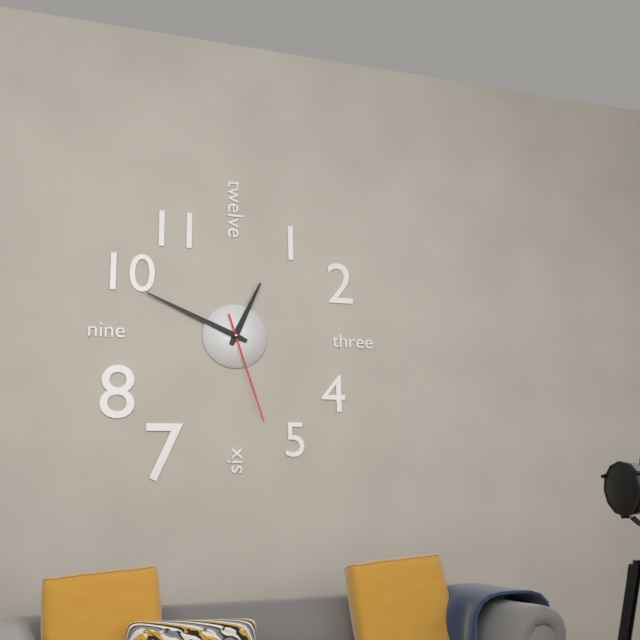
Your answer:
{"hour": 12, "minute": 49, "second": 27}
